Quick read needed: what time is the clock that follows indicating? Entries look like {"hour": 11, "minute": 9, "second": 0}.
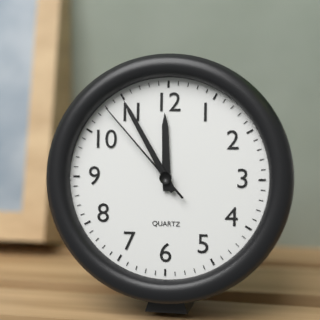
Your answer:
{"hour": 11, "minute": 55, "second": 53}
